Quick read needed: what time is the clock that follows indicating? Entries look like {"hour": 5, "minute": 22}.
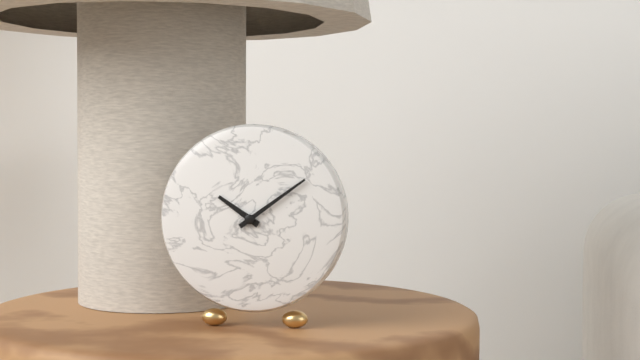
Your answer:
{"hour": 10, "minute": 9}
